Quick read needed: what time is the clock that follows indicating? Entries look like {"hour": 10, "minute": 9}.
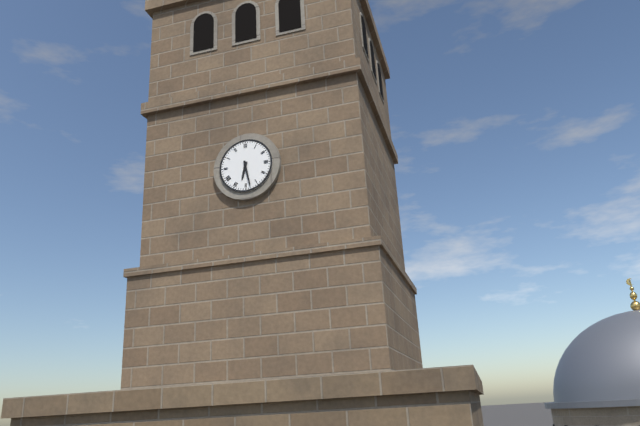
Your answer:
{"hour": 6, "minute": 28}
